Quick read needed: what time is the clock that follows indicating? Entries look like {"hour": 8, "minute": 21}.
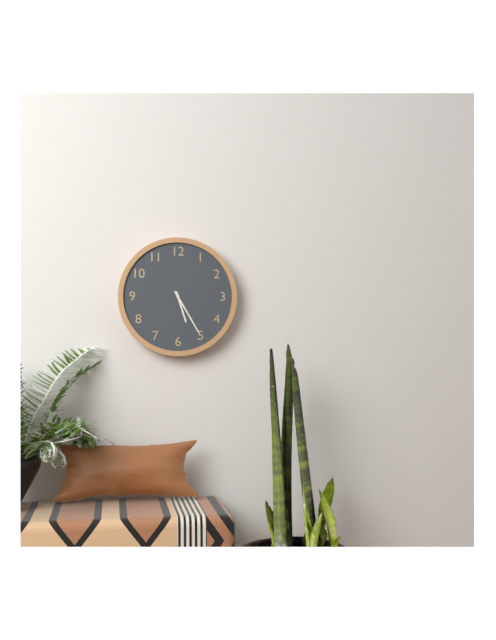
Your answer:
{"hour": 5, "minute": 25}
